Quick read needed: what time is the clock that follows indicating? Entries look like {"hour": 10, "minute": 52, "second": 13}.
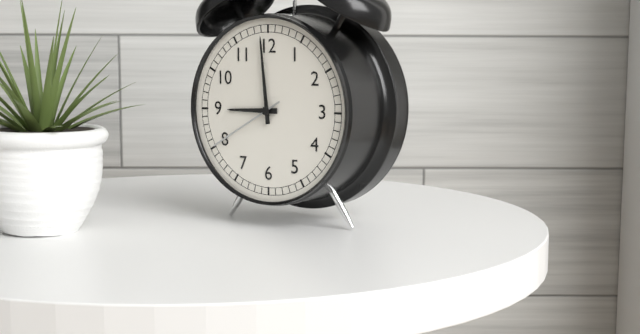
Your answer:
{"hour": 8, "minute": 59, "second": 40}
